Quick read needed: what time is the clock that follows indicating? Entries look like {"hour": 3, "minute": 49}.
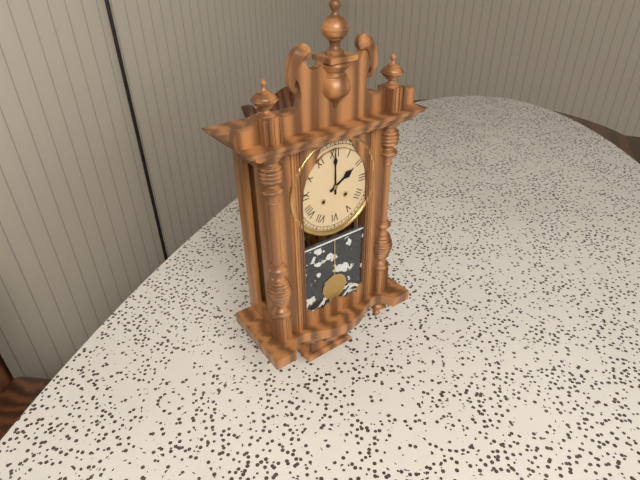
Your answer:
{"hour": 2, "minute": 0}
